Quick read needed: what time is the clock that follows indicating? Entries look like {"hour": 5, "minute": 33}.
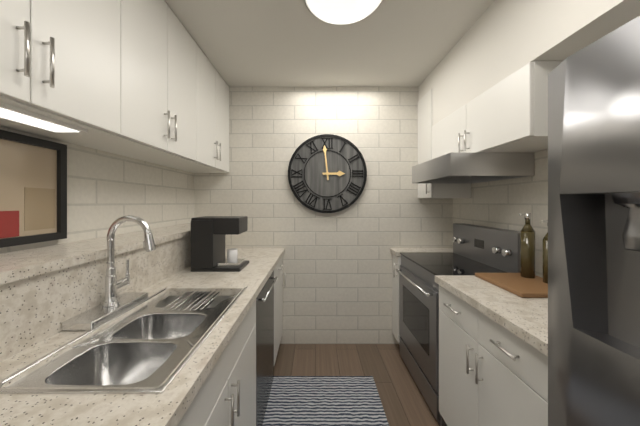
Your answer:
{"hour": 2, "minute": 59}
